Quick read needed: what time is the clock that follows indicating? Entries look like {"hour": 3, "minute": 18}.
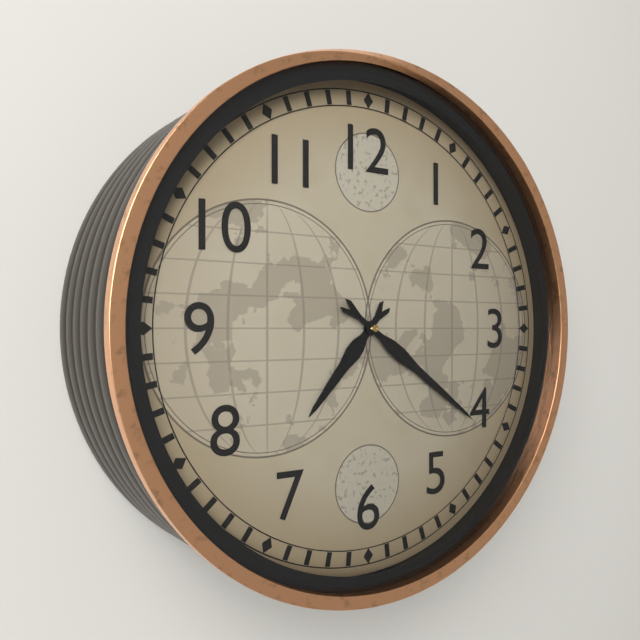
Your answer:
{"hour": 7, "minute": 21}
